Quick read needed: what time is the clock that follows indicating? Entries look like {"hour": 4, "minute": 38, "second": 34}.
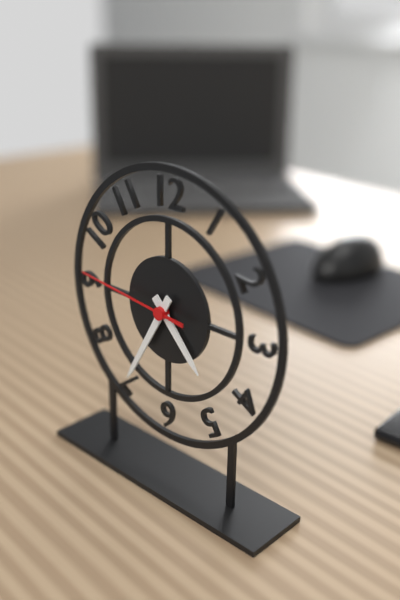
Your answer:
{"hour": 4, "minute": 35, "second": 46}
